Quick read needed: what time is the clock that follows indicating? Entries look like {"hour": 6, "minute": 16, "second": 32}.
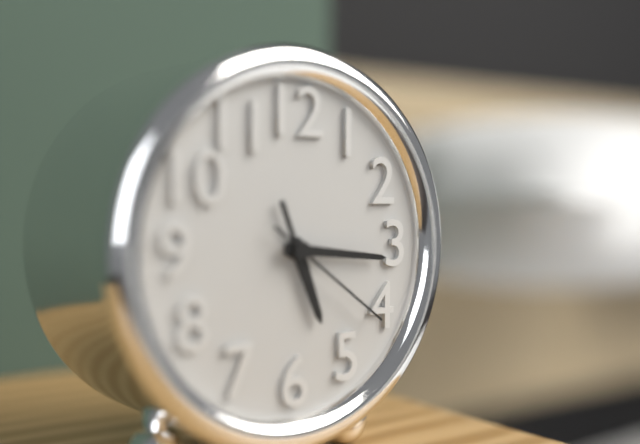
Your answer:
{"hour": 5, "minute": 16, "second": 21}
